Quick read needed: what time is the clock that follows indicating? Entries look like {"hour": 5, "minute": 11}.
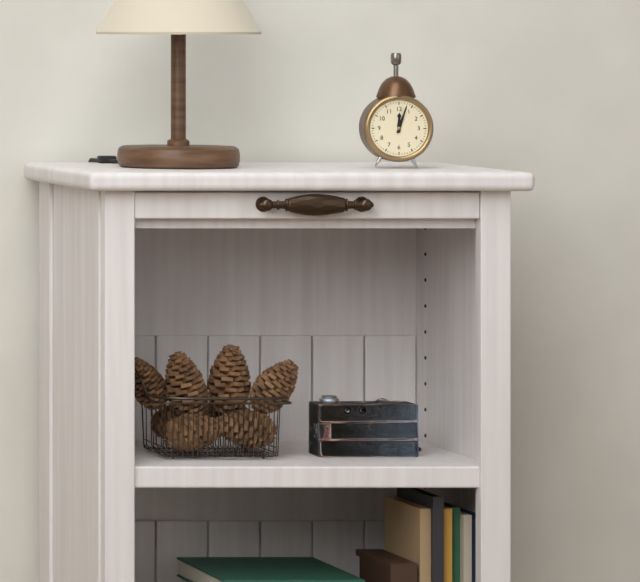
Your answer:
{"hour": 12, "minute": 3}
